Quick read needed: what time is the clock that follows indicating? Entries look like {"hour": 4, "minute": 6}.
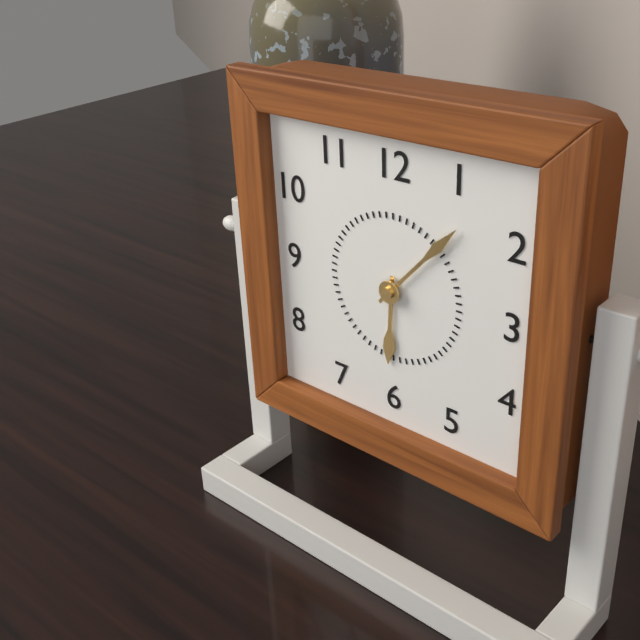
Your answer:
{"hour": 6, "minute": 7}
